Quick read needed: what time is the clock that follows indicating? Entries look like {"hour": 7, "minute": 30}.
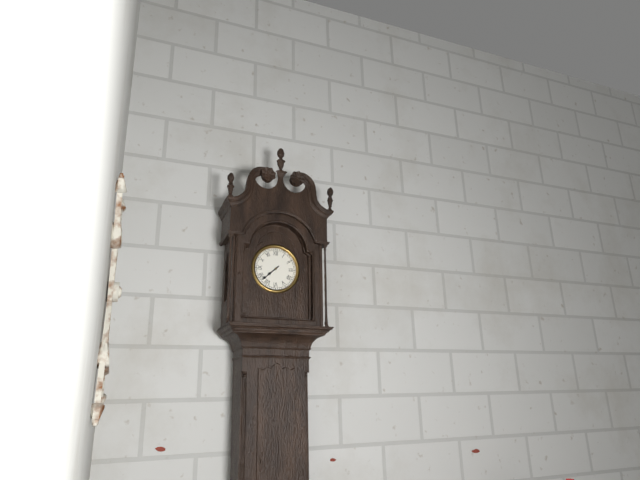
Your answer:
{"hour": 7, "minute": 38}
